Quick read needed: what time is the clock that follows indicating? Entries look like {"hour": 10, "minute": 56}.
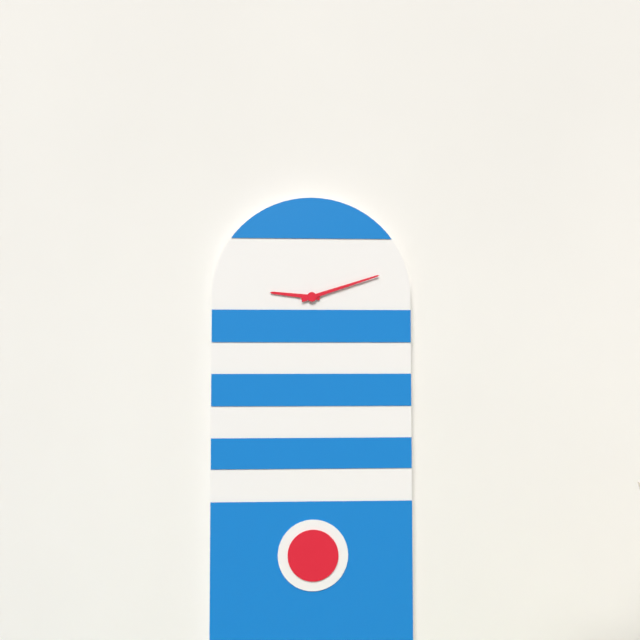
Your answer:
{"hour": 9, "minute": 12}
